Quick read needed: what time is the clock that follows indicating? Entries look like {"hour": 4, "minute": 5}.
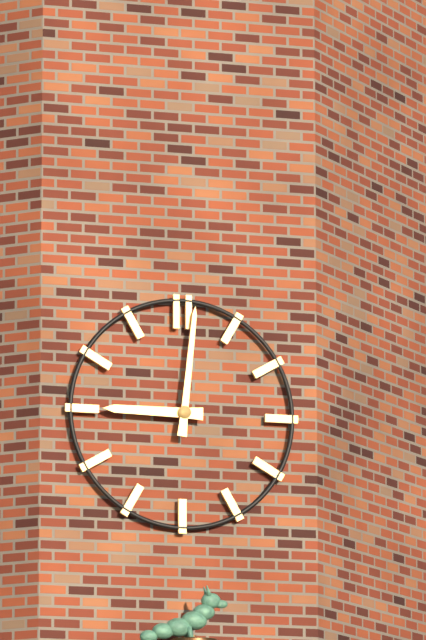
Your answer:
{"hour": 9, "minute": 1}
